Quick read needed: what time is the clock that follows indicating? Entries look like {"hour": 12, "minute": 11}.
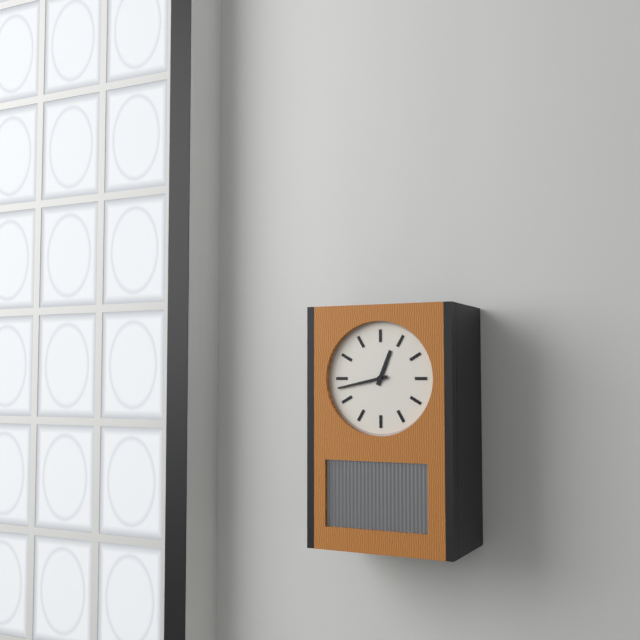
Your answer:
{"hour": 12, "minute": 43}
